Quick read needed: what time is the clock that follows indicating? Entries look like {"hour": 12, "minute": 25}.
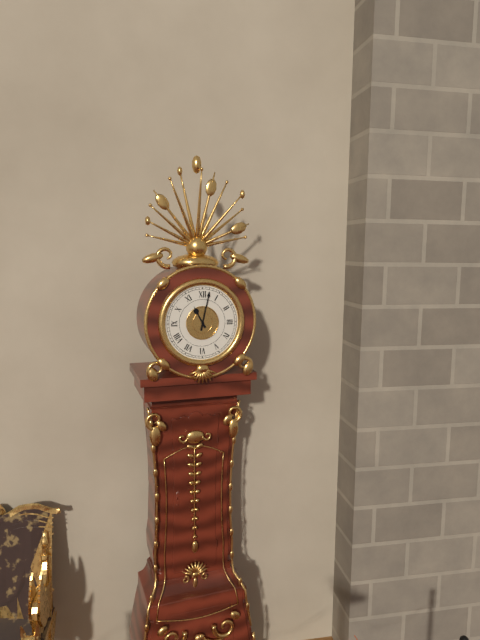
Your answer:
{"hour": 11, "minute": 2}
